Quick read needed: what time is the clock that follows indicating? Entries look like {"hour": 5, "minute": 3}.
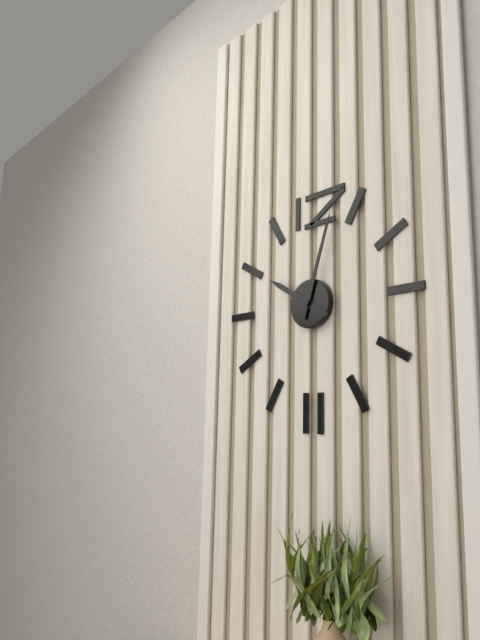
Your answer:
{"hour": 10, "minute": 3}
